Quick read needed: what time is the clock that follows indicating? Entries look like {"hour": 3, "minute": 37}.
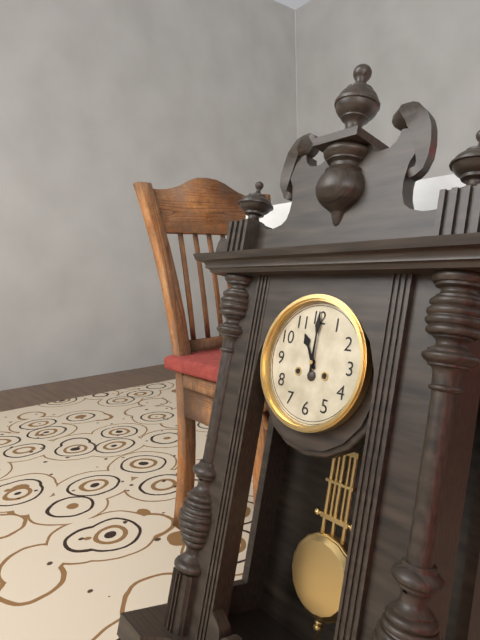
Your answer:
{"hour": 11, "minute": 0}
